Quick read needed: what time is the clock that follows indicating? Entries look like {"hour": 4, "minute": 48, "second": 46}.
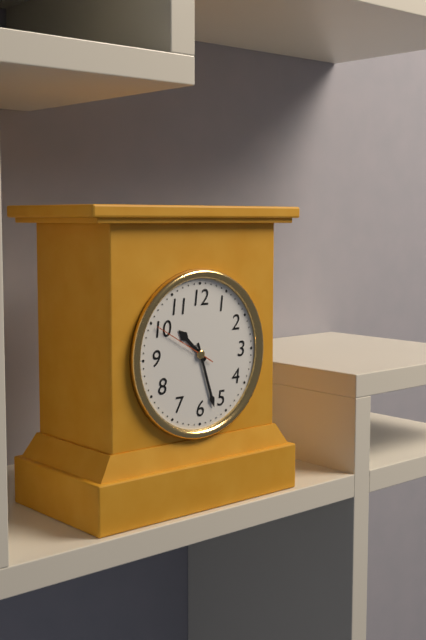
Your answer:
{"hour": 10, "minute": 27, "second": 50}
